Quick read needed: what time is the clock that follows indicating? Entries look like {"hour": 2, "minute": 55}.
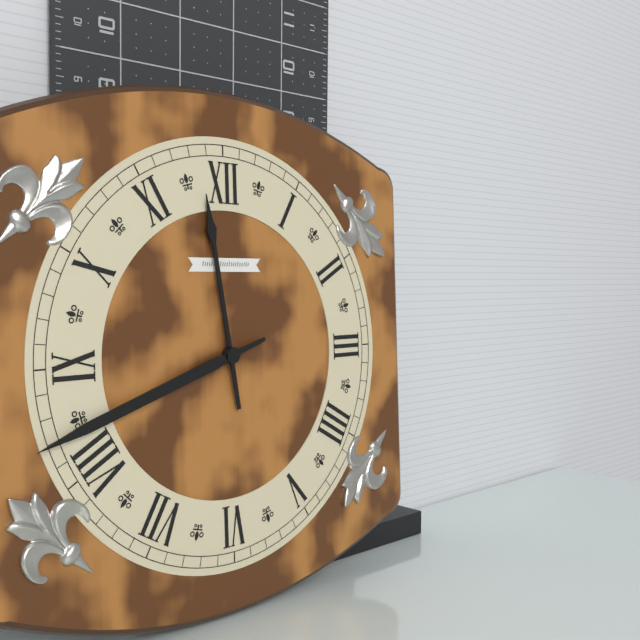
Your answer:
{"hour": 11, "minute": 42}
